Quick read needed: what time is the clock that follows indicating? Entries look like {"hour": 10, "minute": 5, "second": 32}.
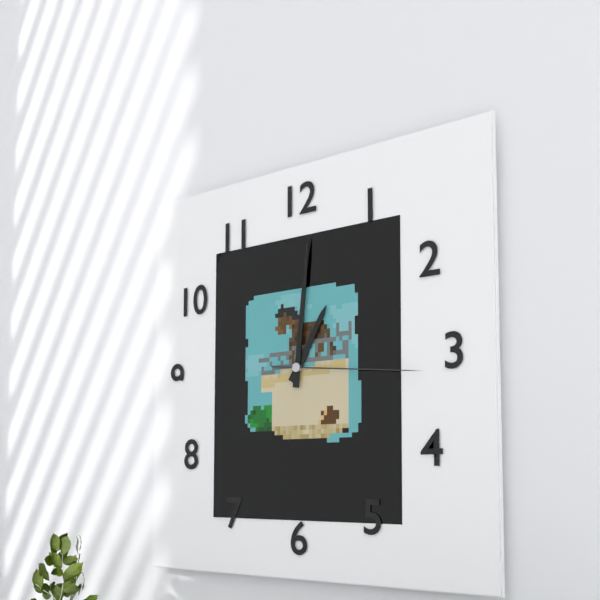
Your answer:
{"hour": 1, "minute": 1, "second": 16}
